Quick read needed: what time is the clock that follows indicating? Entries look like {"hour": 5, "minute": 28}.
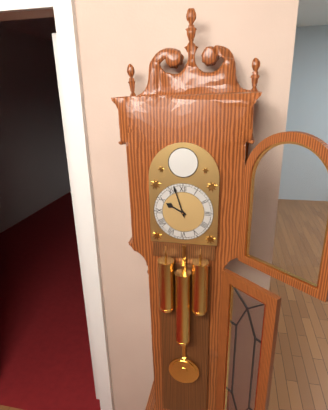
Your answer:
{"hour": 9, "minute": 57}
